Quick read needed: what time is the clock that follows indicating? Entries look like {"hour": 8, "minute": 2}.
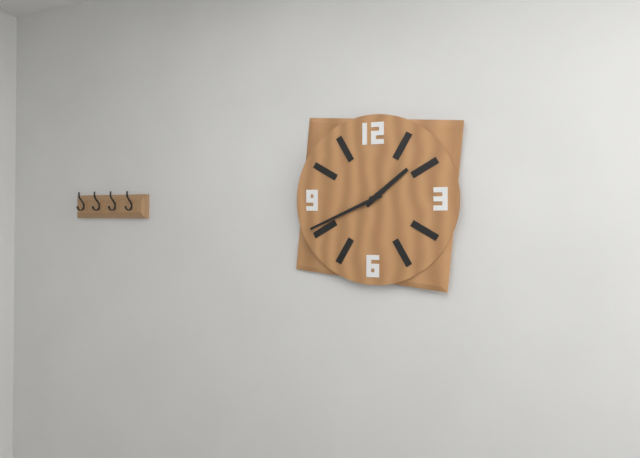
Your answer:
{"hour": 1, "minute": 41}
